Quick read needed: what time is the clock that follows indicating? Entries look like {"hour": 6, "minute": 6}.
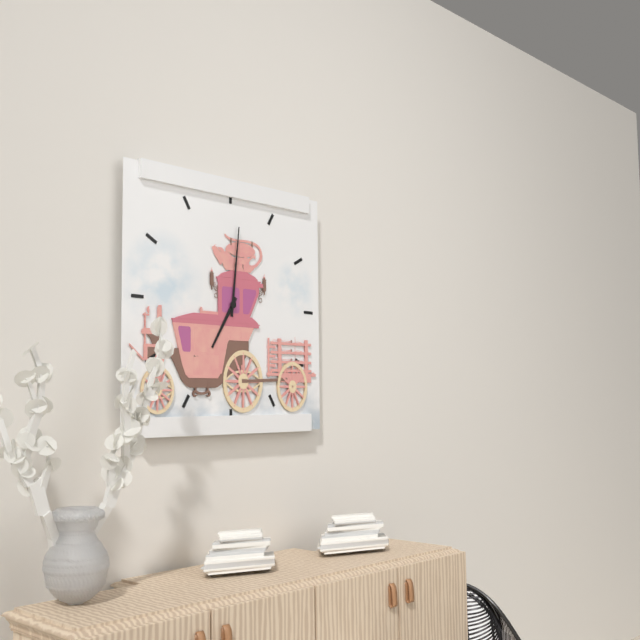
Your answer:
{"hour": 7, "minute": 1}
